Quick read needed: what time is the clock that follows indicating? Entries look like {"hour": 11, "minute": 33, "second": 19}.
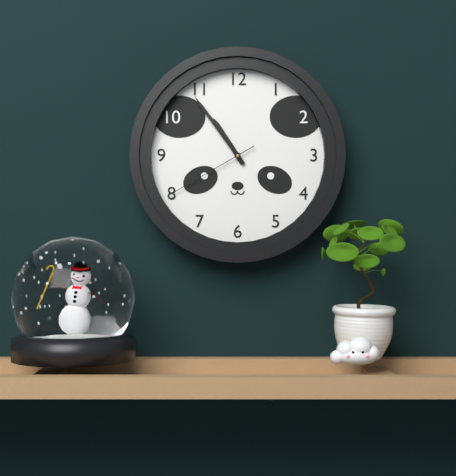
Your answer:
{"hour": 10, "minute": 54, "second": 40}
